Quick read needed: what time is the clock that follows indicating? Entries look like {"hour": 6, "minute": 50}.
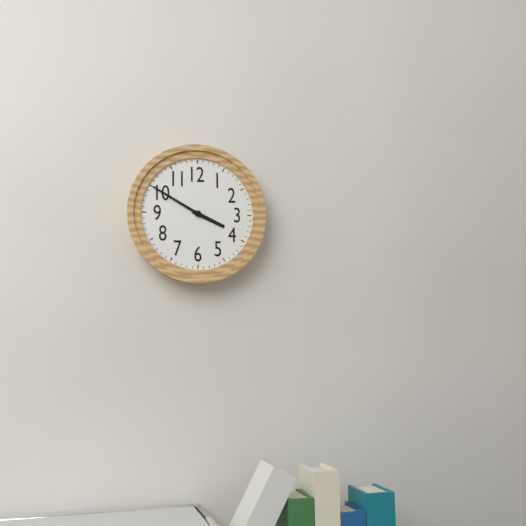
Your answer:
{"hour": 3, "minute": 50}
